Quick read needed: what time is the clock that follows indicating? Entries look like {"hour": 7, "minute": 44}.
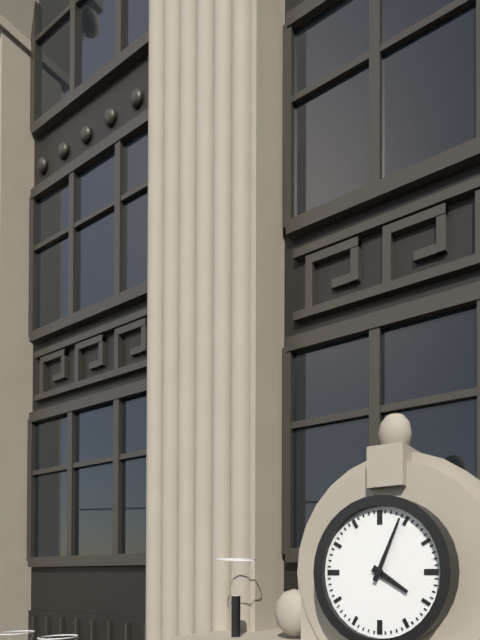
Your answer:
{"hour": 4, "minute": 4}
